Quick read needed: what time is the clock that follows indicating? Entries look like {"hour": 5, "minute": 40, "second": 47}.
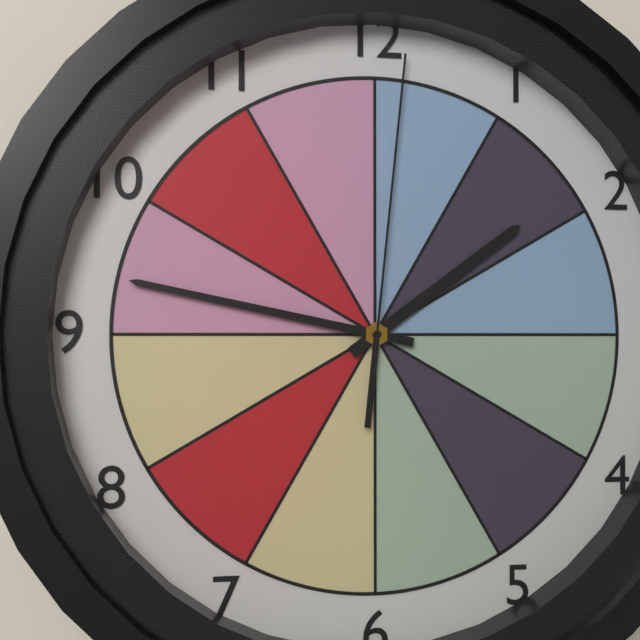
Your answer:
{"hour": 1, "minute": 47, "second": 1}
